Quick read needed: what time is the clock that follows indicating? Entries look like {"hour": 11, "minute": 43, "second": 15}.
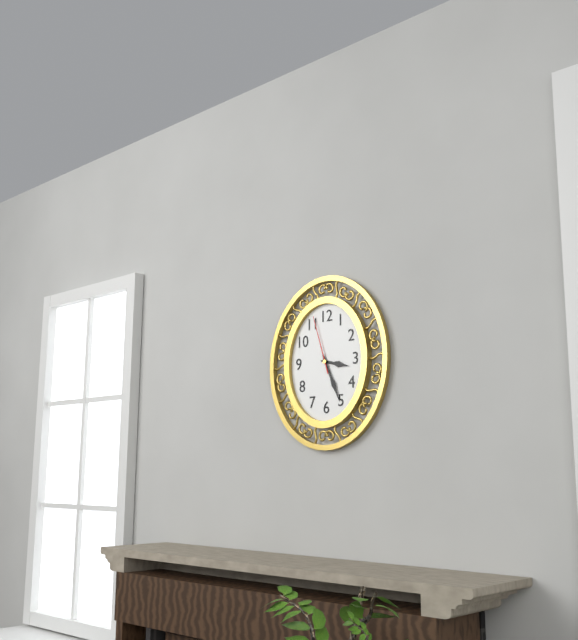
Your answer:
{"hour": 3, "minute": 26, "second": 57}
